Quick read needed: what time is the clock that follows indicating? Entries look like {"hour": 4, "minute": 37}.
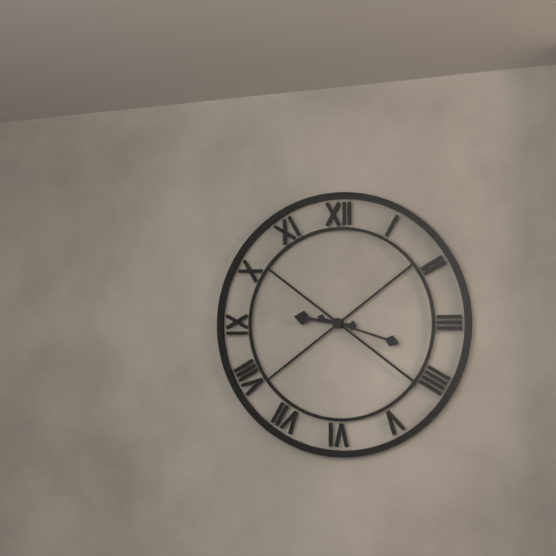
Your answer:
{"hour": 9, "minute": 18}
